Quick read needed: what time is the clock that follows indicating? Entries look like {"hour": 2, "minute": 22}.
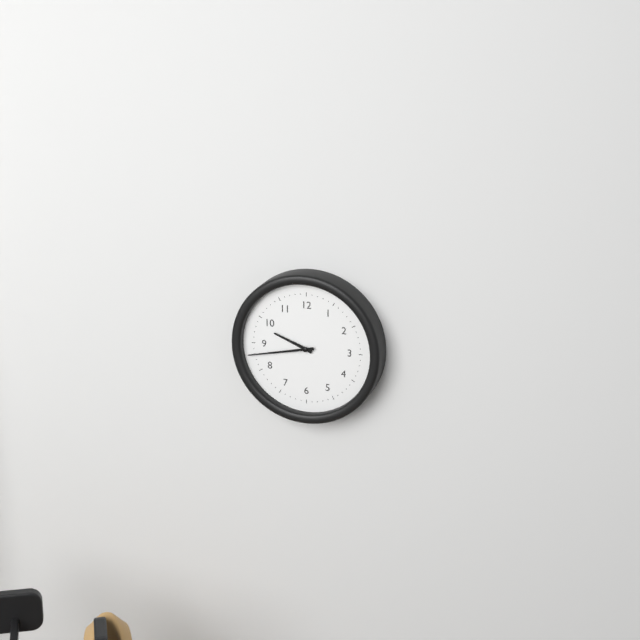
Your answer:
{"hour": 9, "minute": 43}
